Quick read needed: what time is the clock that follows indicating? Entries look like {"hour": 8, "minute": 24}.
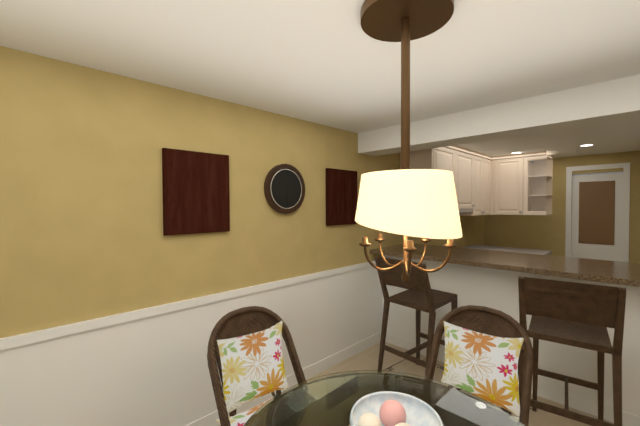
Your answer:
{"hour": 7, "minute": 30}
